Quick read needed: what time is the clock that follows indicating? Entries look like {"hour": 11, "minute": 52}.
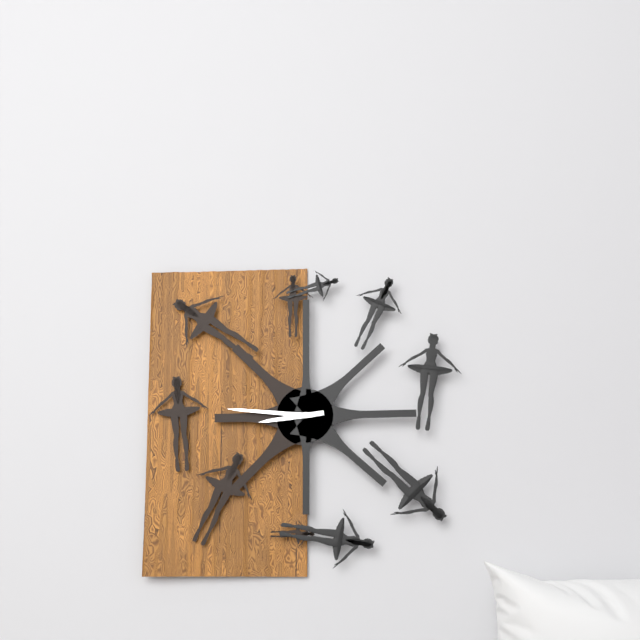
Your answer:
{"hour": 8, "minute": 46}
